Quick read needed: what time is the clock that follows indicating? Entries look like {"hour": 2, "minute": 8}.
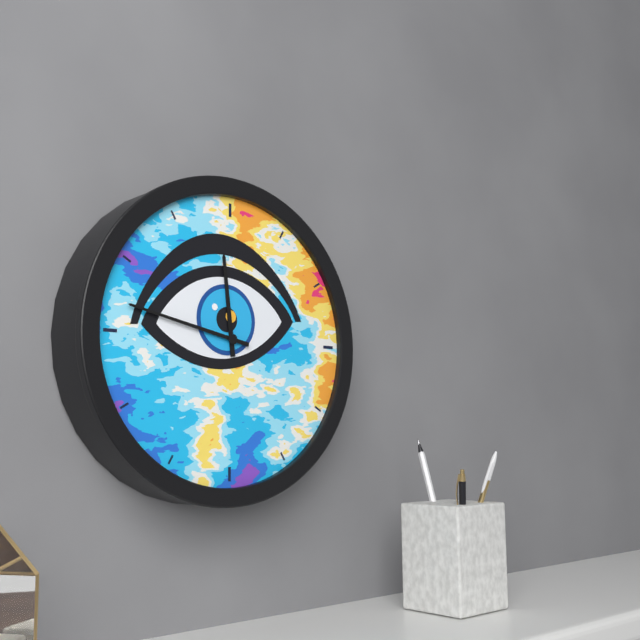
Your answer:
{"hour": 11, "minute": 47}
